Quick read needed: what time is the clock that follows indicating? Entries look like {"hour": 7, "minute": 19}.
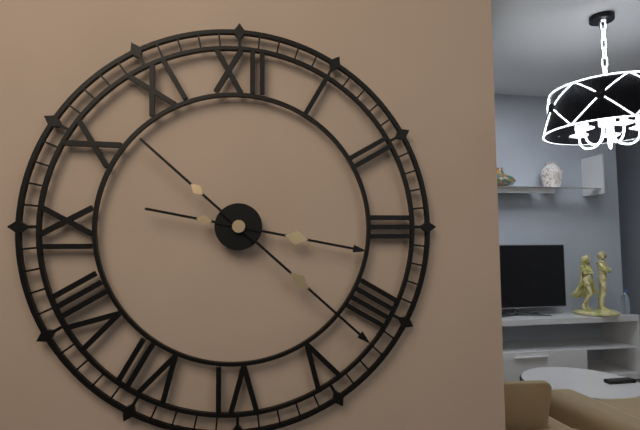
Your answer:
{"hour": 3, "minute": 22}
